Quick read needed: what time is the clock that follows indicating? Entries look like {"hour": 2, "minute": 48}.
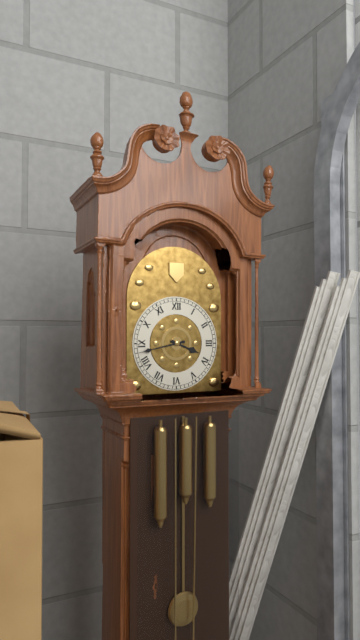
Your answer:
{"hour": 3, "minute": 43}
